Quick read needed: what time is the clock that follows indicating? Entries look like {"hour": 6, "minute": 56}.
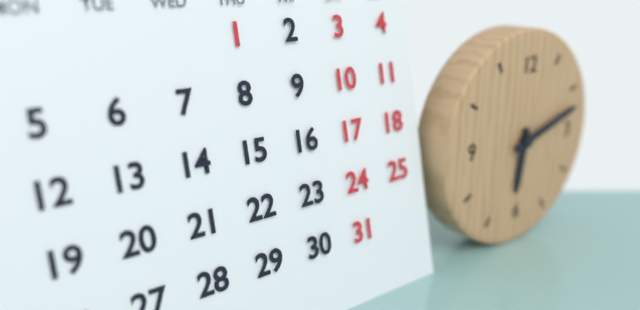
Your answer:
{"hour": 6, "minute": 12}
